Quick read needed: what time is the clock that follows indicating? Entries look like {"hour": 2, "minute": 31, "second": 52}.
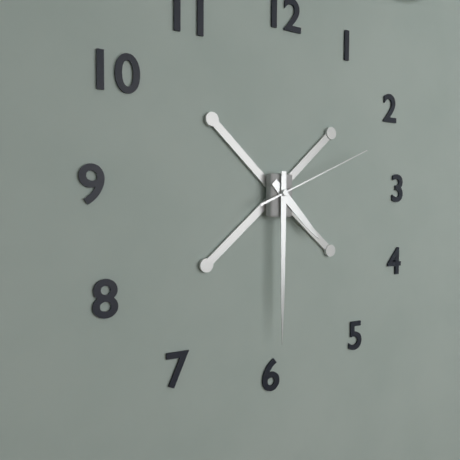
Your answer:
{"hour": 4, "minute": 30, "second": 11}
